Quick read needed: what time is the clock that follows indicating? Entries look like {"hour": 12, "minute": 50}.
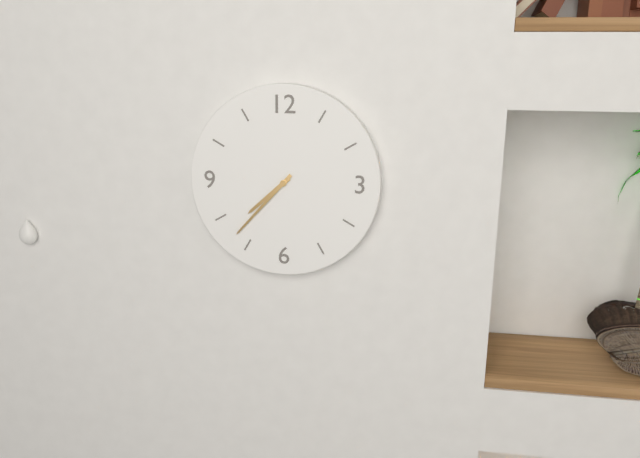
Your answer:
{"hour": 7, "minute": 37}
